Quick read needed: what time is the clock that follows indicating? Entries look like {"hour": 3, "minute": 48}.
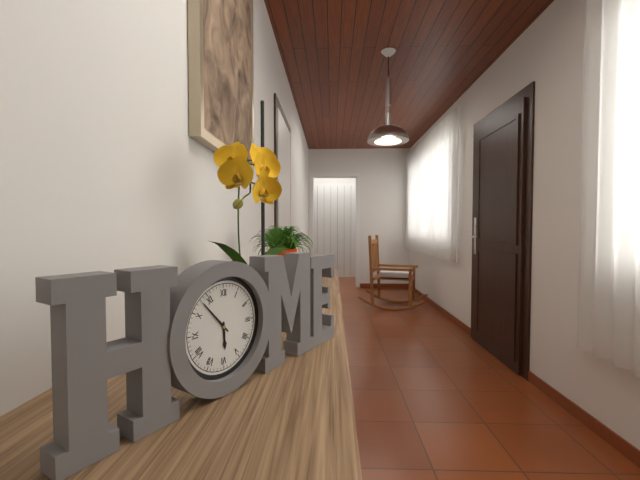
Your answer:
{"hour": 5, "minute": 53}
